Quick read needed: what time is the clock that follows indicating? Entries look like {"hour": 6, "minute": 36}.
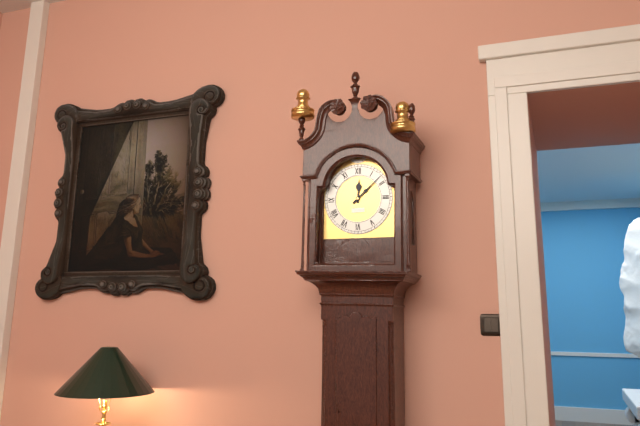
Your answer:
{"hour": 12, "minute": 8}
